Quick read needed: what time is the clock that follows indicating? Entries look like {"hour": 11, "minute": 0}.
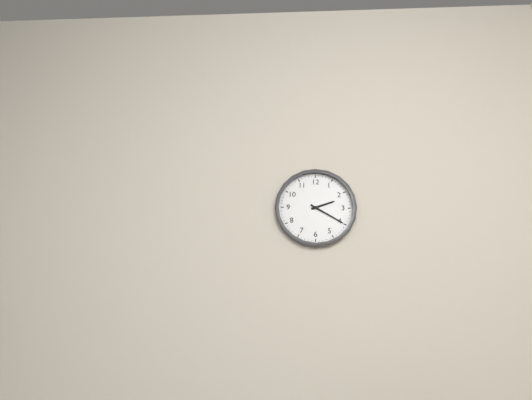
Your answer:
{"hour": 2, "minute": 20}
